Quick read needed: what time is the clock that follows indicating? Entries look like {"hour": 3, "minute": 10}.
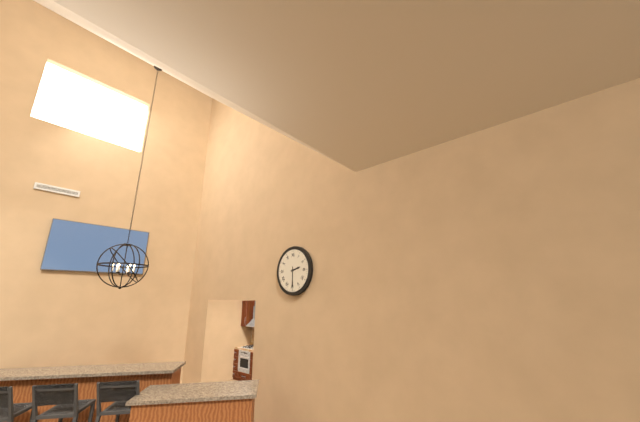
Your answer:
{"hour": 2, "minute": 30}
